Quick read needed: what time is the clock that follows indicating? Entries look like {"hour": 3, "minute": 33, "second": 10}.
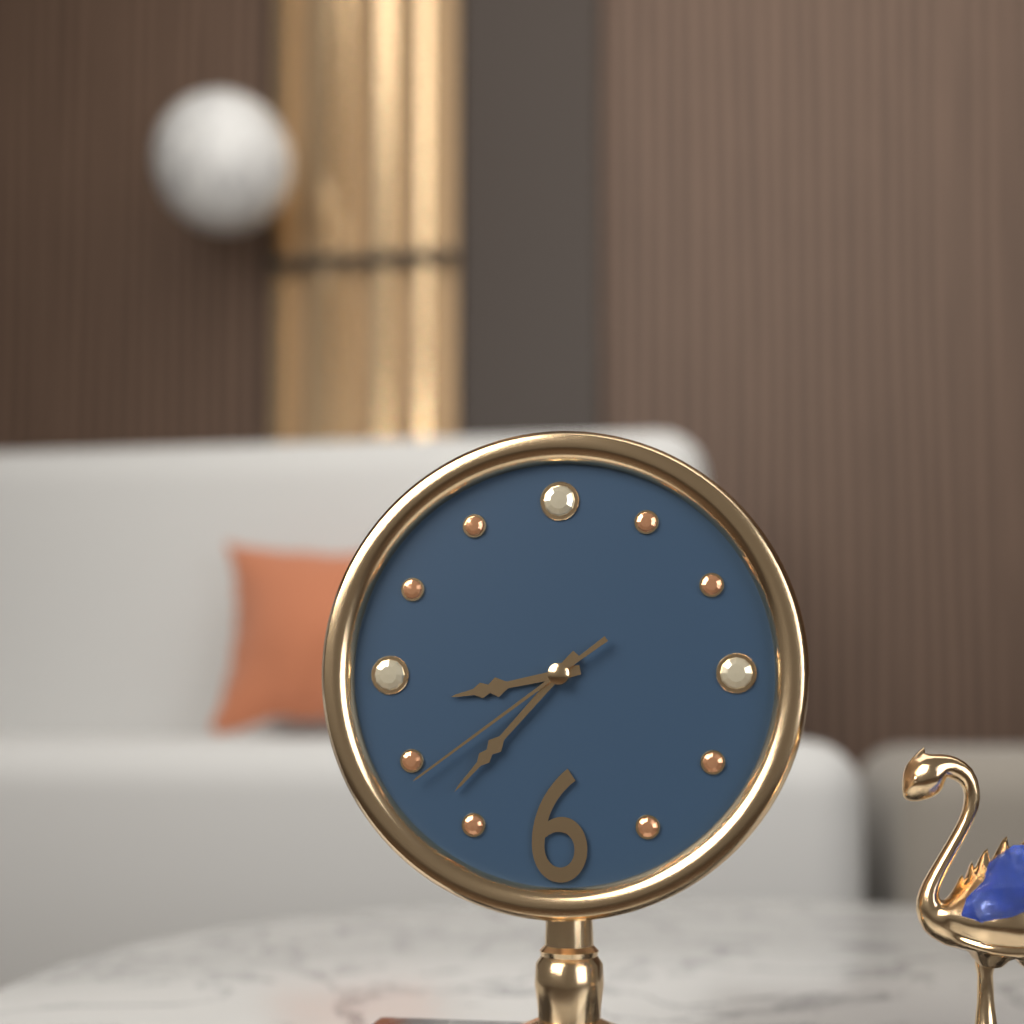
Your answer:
{"hour": 8, "minute": 37, "second": 39}
